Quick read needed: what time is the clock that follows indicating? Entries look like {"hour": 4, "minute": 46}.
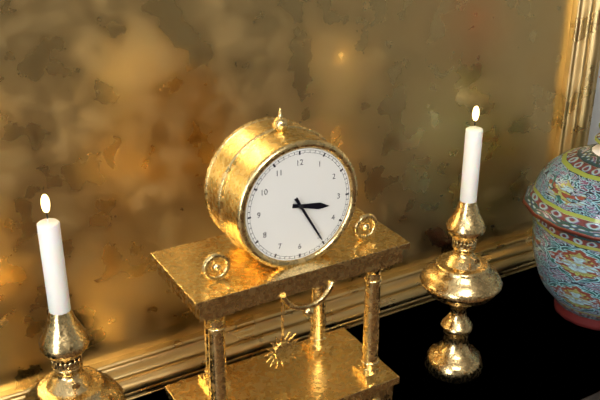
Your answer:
{"hour": 3, "minute": 25}
